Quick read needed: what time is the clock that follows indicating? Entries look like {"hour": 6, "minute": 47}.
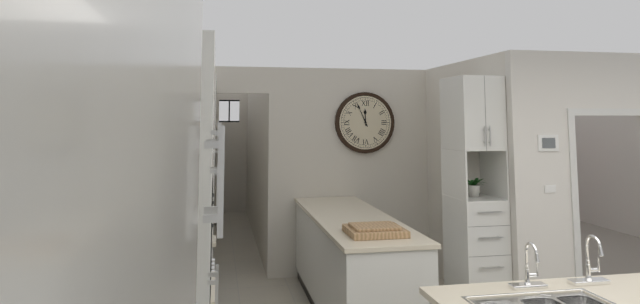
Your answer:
{"hour": 11, "minute": 56}
